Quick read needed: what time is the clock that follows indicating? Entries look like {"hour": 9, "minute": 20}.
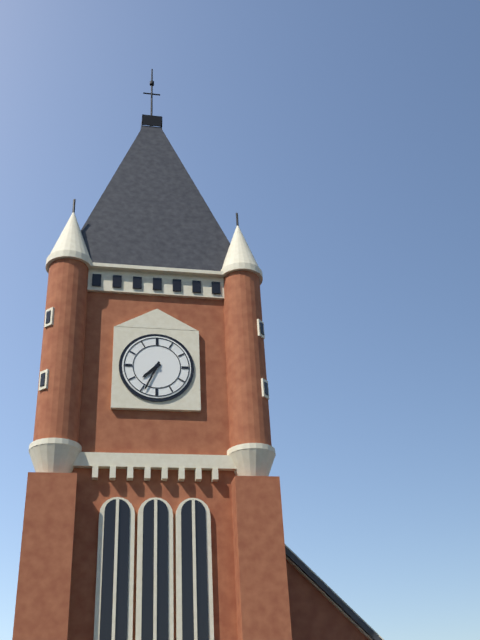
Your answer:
{"hour": 7, "minute": 34}
